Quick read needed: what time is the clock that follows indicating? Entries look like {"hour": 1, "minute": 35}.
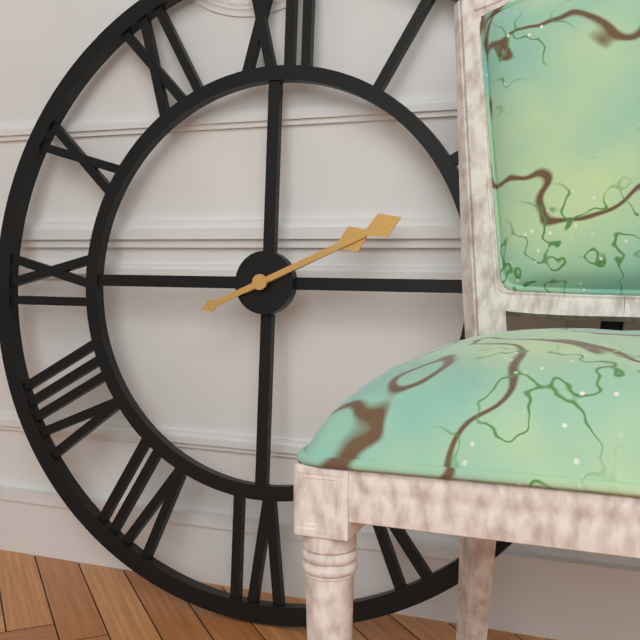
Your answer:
{"hour": 2, "minute": 11}
